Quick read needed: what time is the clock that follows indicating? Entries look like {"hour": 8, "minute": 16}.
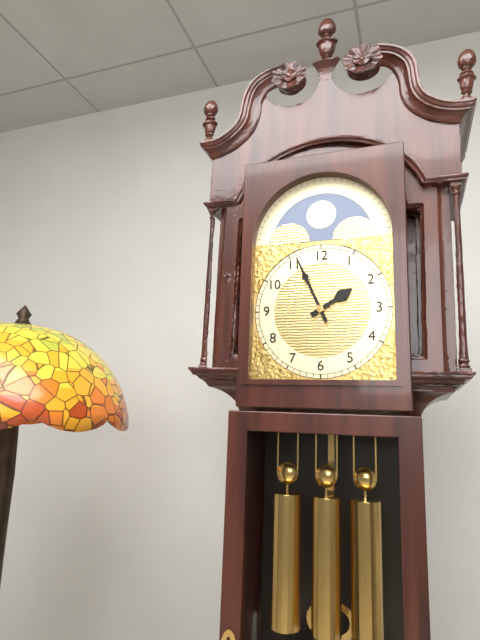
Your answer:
{"hour": 1, "minute": 56}
